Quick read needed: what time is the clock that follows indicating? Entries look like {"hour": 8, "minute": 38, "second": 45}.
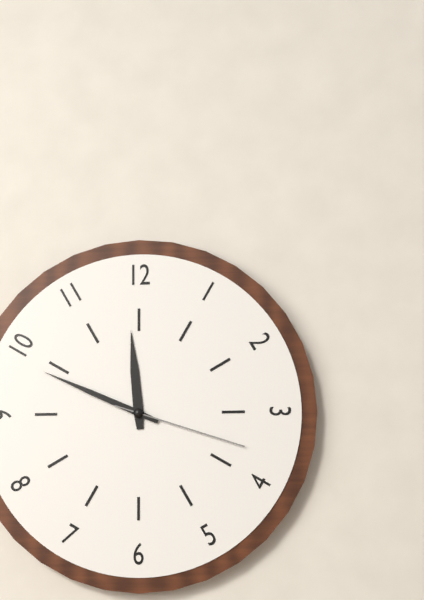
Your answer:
{"hour": 11, "minute": 49, "second": 18}
